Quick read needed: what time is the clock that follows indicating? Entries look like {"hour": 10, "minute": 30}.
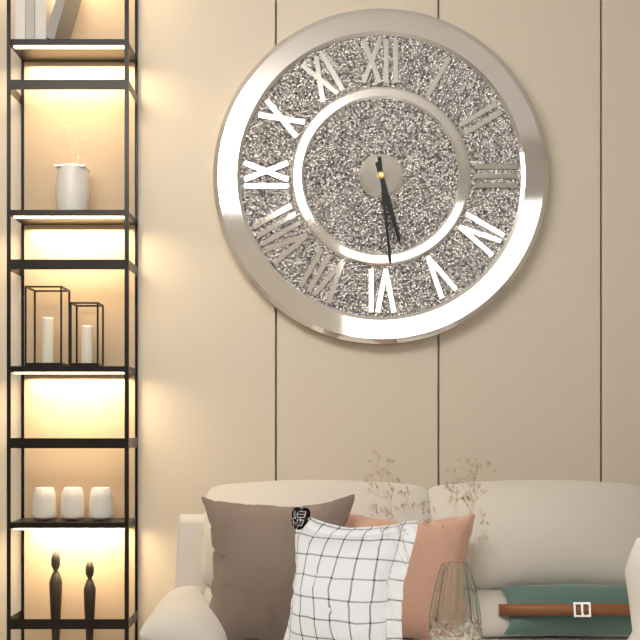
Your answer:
{"hour": 5, "minute": 29}
